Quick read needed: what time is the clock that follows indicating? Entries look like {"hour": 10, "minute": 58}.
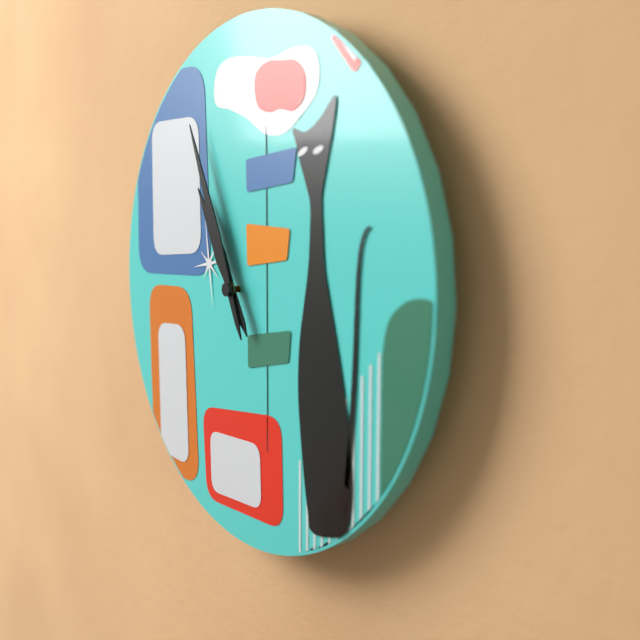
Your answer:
{"hour": 10, "minute": 56}
